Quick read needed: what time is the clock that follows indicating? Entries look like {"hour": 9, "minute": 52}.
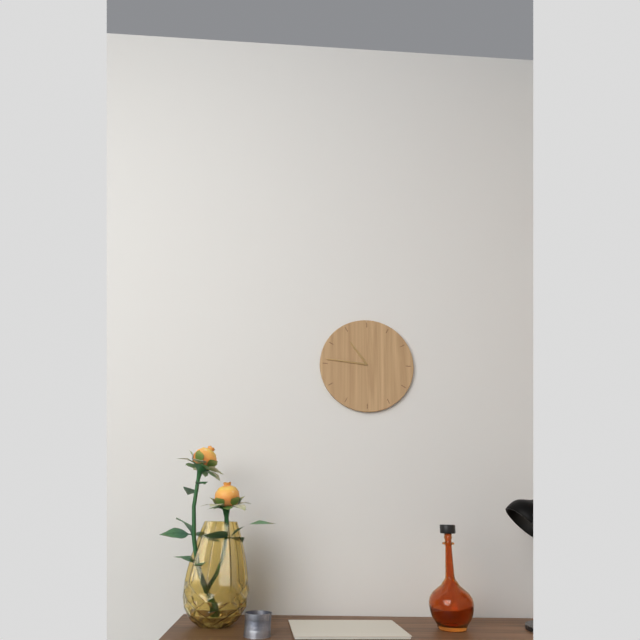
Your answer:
{"hour": 10, "minute": 46}
